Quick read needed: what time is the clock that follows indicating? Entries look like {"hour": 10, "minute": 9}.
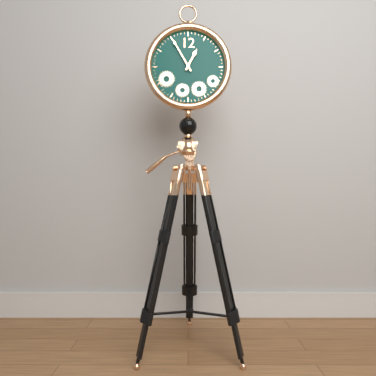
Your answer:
{"hour": 12, "minute": 55}
